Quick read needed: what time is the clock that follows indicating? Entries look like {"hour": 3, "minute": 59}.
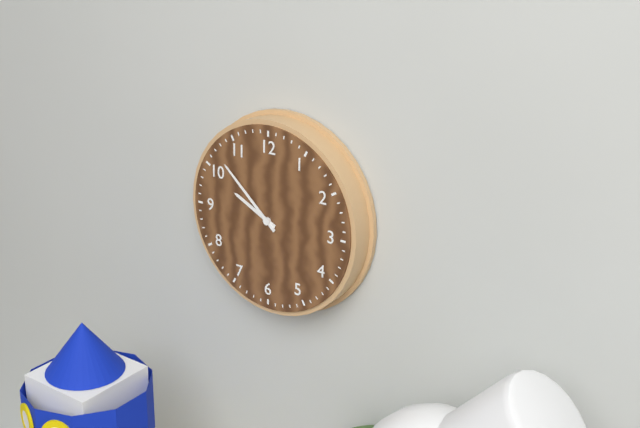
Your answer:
{"hour": 9, "minute": 52}
